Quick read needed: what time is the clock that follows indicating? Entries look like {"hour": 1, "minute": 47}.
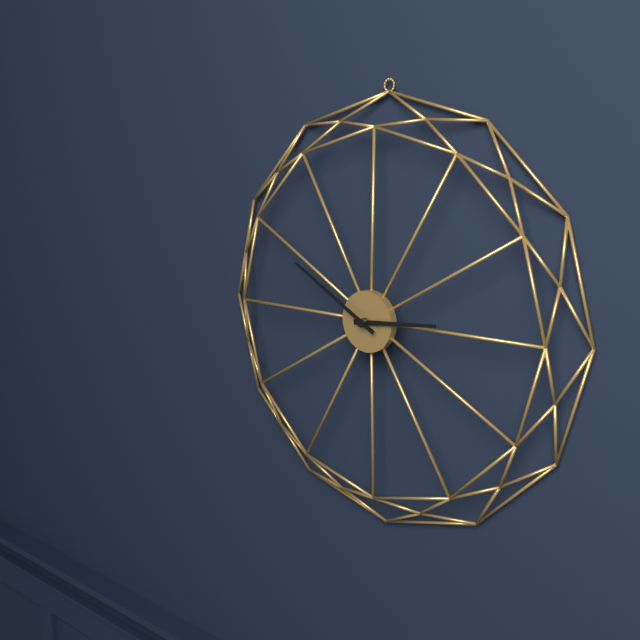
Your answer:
{"hour": 2, "minute": 50}
